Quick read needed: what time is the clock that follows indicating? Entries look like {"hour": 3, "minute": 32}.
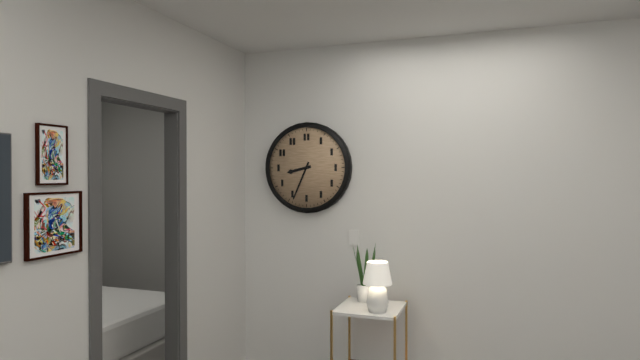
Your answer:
{"hour": 8, "minute": 34}
